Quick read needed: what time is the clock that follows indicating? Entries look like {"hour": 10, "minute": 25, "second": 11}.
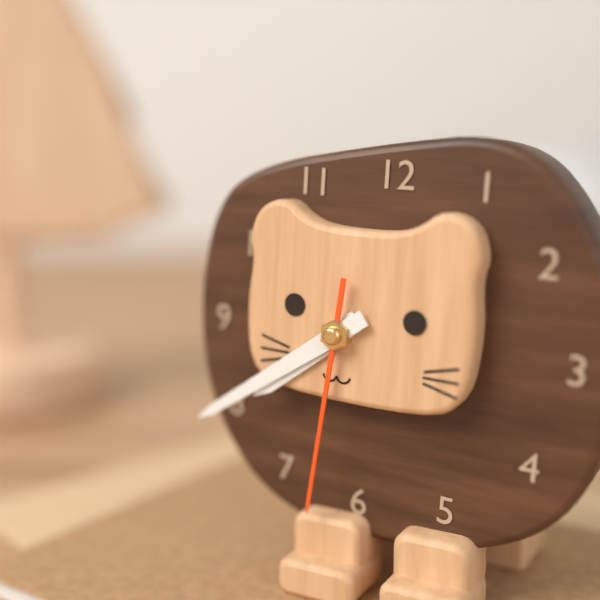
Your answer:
{"hour": 7, "minute": 39, "second": 31}
